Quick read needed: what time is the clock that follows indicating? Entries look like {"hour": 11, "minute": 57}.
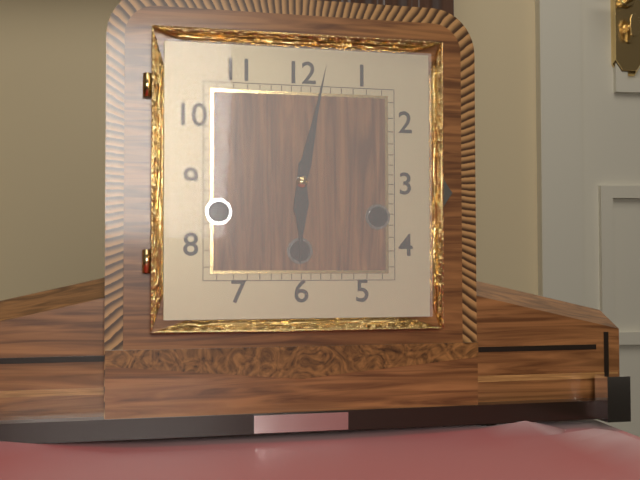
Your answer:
{"hour": 6, "minute": 2}
